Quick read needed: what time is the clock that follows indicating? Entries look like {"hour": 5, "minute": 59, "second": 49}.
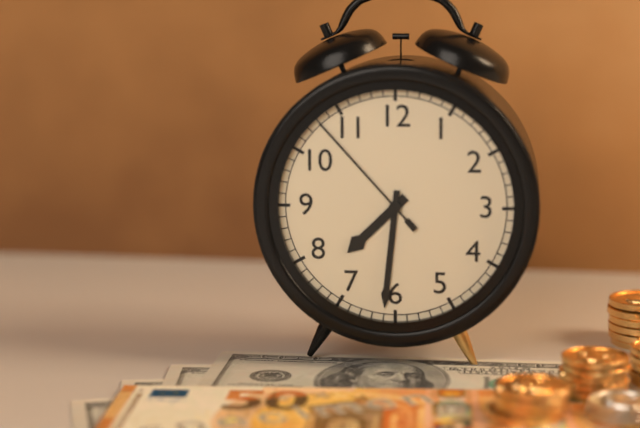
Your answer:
{"hour": 7, "minute": 31, "second": 53}
